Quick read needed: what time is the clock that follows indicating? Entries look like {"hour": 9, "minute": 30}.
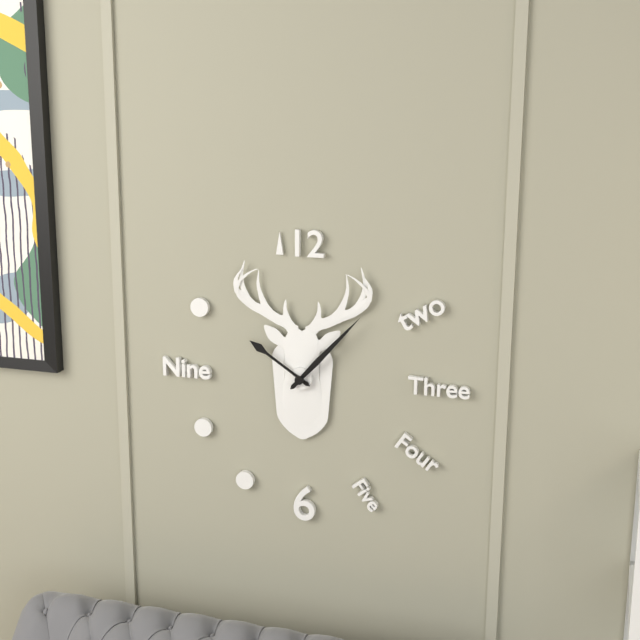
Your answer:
{"hour": 10, "minute": 7}
